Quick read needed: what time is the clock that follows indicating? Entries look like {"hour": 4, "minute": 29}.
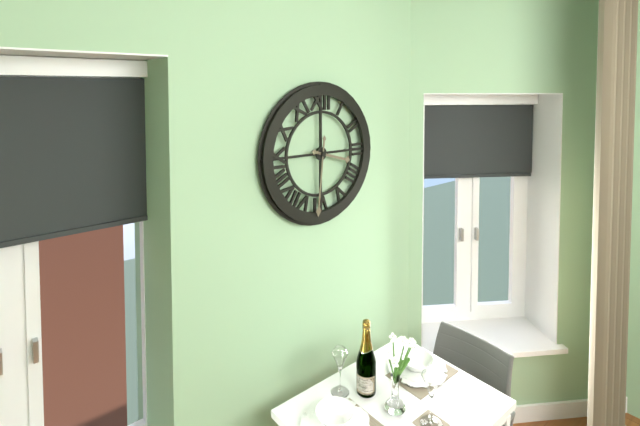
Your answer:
{"hour": 3, "minute": 31}
